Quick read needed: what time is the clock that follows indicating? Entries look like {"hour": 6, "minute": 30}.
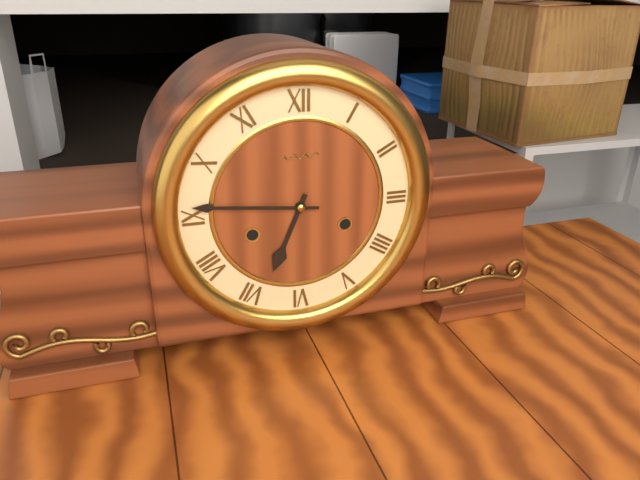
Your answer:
{"hour": 6, "minute": 46}
